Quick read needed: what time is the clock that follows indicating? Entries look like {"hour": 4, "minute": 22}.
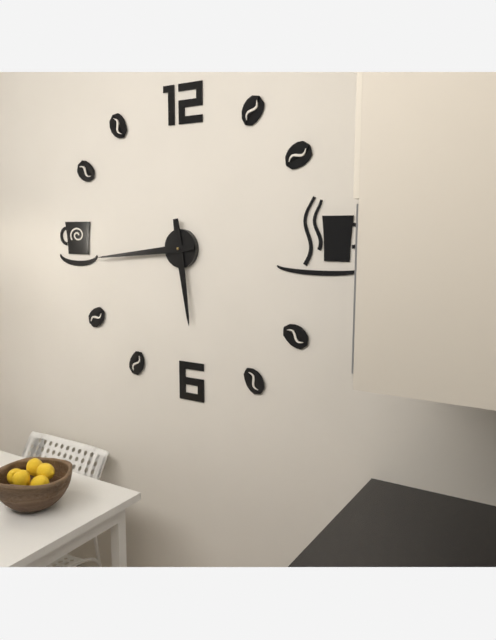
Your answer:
{"hour": 5, "minute": 44}
